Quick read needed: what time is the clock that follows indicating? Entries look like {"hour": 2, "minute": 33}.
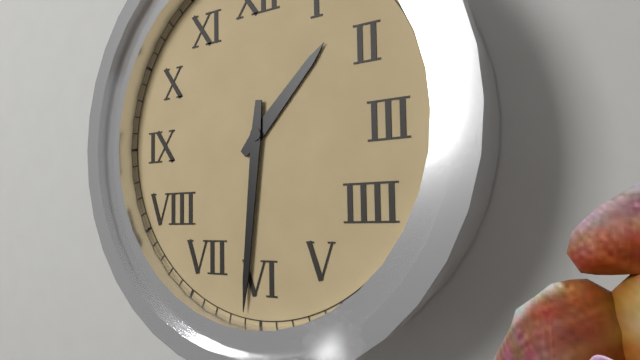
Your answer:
{"hour": 1, "minute": 31}
